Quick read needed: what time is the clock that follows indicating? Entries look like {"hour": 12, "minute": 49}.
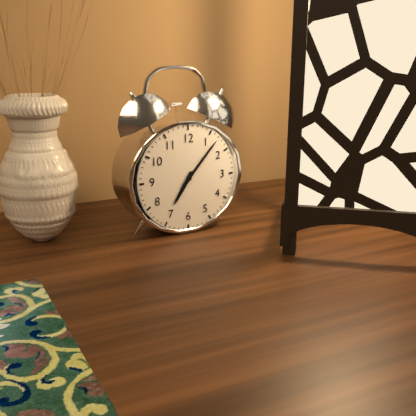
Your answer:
{"hour": 7, "minute": 7}
